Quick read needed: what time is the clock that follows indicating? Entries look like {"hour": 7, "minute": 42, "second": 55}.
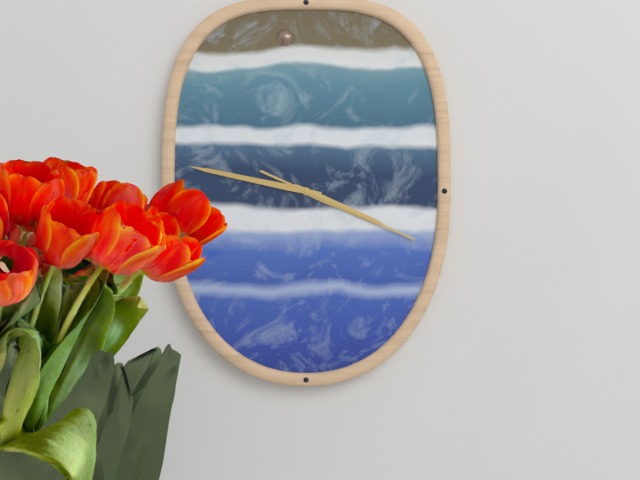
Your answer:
{"hour": 3, "minute": 47, "second": 19}
